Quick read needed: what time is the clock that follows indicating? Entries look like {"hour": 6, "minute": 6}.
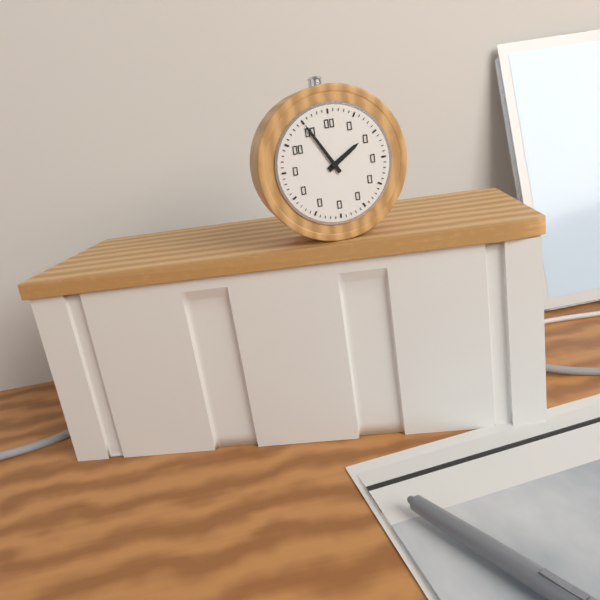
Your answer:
{"hour": 1, "minute": 55}
